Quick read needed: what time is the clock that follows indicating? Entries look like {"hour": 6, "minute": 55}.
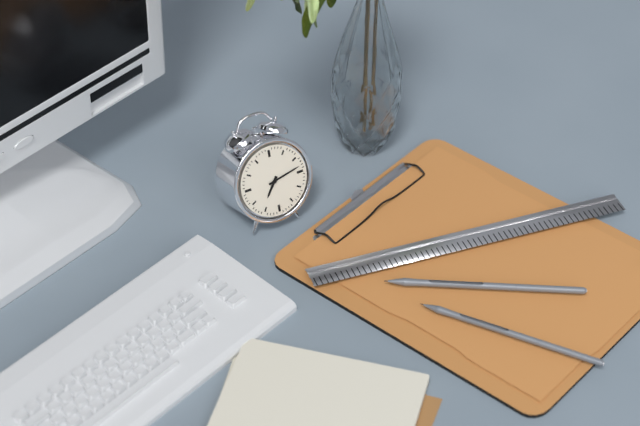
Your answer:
{"hour": 7, "minute": 13}
